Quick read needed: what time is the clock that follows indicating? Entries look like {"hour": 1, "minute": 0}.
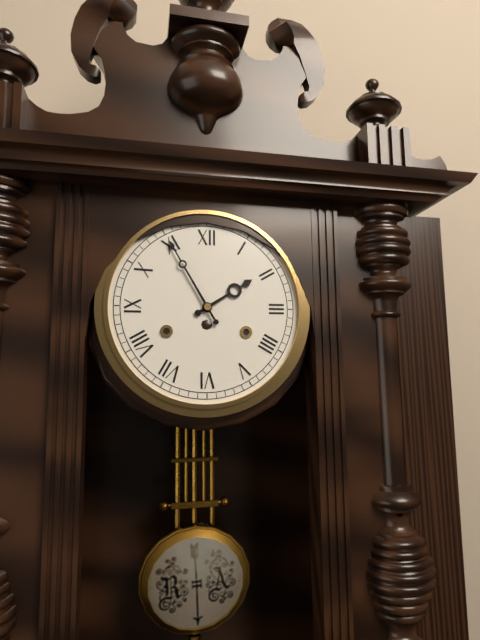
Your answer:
{"hour": 1, "minute": 55}
